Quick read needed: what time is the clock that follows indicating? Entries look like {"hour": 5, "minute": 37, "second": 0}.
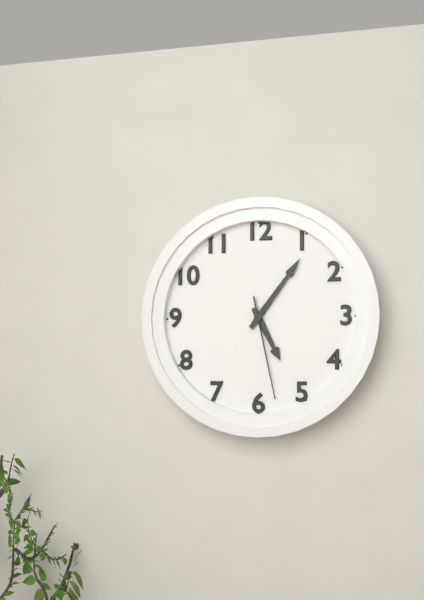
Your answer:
{"hour": 5, "minute": 6, "second": 28}
